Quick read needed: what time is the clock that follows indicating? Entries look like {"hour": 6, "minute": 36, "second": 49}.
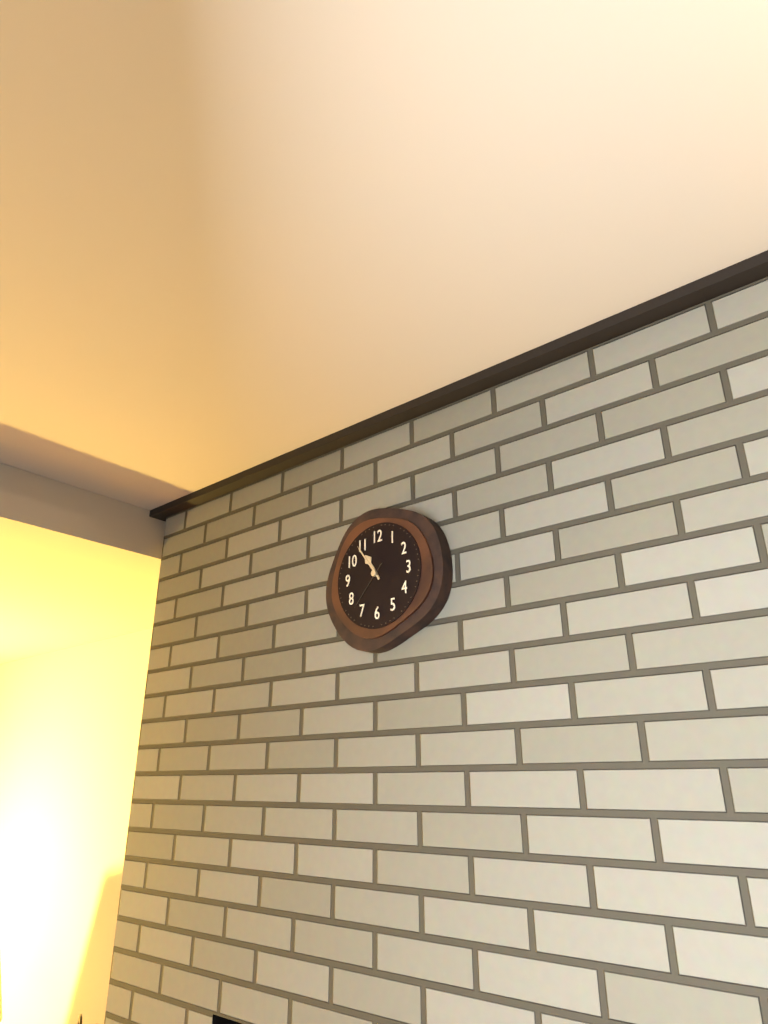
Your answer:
{"hour": 10, "minute": 54, "second": 37}
